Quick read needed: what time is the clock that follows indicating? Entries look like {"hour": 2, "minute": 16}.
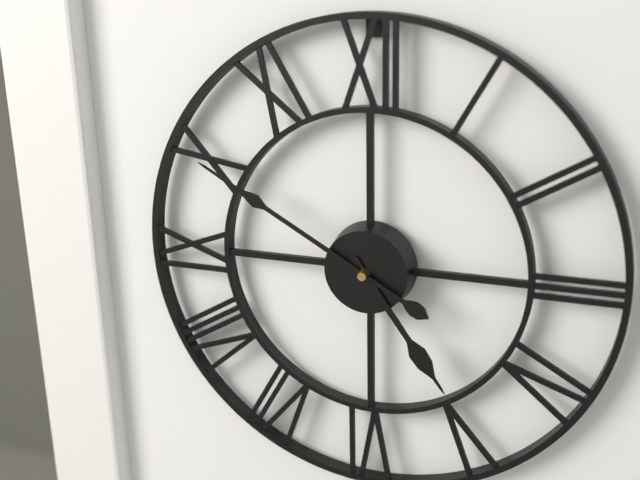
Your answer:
{"hour": 4, "minute": 50}
